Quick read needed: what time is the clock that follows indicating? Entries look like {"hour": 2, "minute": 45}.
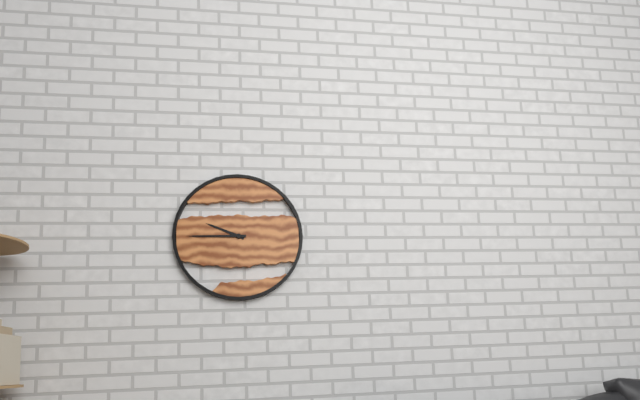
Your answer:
{"hour": 9, "minute": 45}
